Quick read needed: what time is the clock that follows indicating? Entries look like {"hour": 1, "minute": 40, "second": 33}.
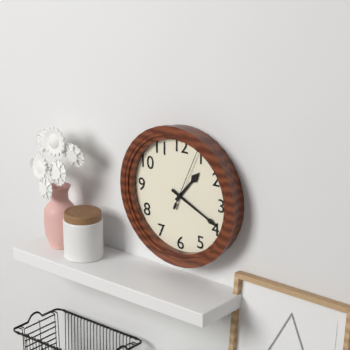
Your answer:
{"hour": 1, "minute": 19, "second": 4}
